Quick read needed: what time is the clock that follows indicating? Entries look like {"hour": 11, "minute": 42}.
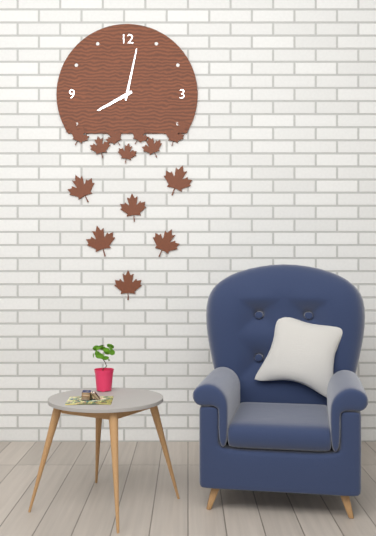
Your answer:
{"hour": 8, "minute": 2}
